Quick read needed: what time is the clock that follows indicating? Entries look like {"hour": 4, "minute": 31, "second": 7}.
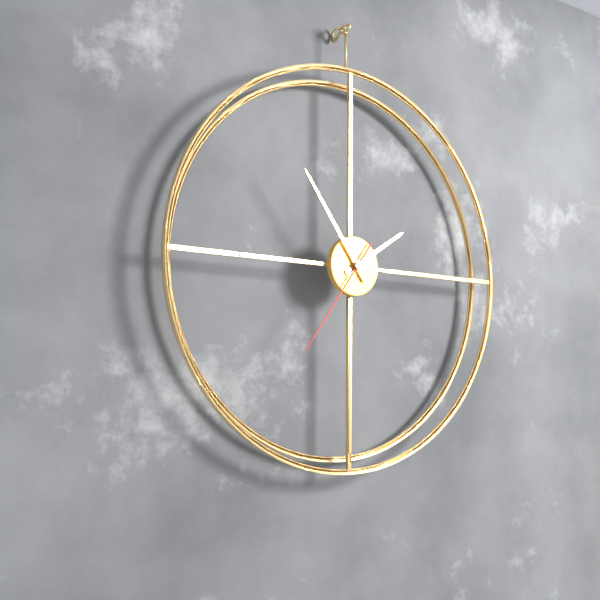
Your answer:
{"hour": 1, "minute": 54, "second": 36}
